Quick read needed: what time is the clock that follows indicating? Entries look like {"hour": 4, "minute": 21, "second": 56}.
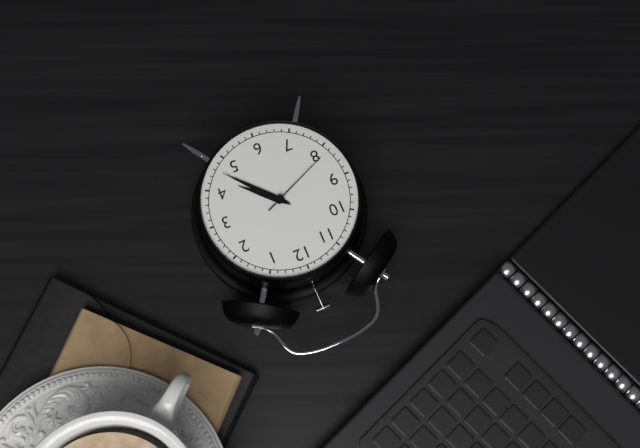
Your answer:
{"hour": 4, "minute": 23, "second": 41}
